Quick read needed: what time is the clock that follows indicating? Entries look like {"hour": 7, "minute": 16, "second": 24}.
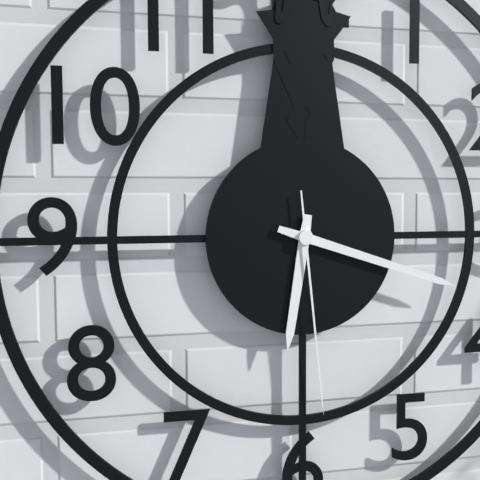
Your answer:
{"hour": 6, "minute": 18, "second": 29}
